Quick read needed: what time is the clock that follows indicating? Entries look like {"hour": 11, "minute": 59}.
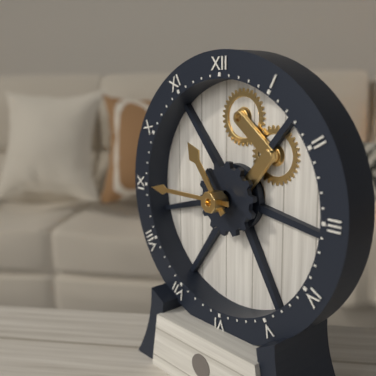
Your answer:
{"hour": 10, "minute": 45}
